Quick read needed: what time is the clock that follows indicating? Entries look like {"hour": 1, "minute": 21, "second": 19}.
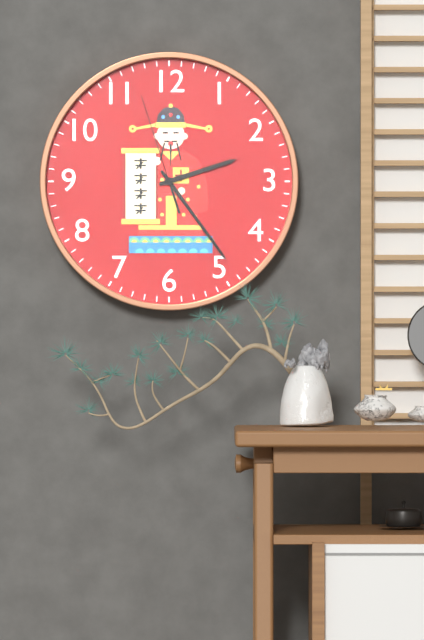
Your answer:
{"hour": 2, "minute": 24, "second": 57}
